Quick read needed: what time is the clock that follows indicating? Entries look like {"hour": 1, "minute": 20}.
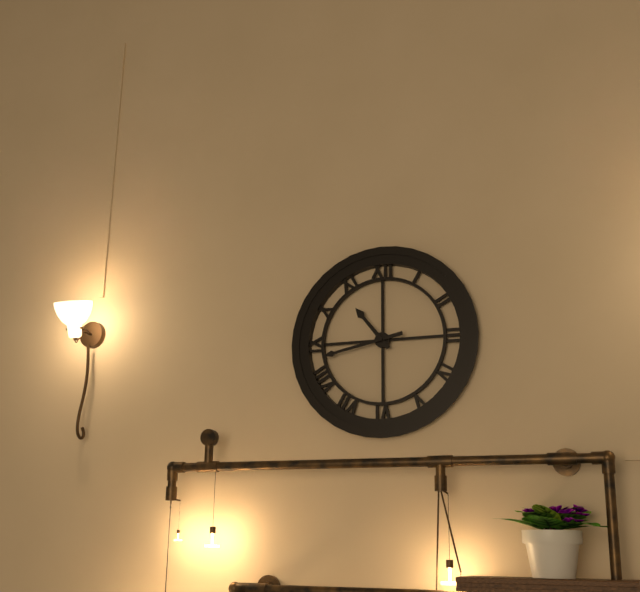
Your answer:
{"hour": 10, "minute": 43}
